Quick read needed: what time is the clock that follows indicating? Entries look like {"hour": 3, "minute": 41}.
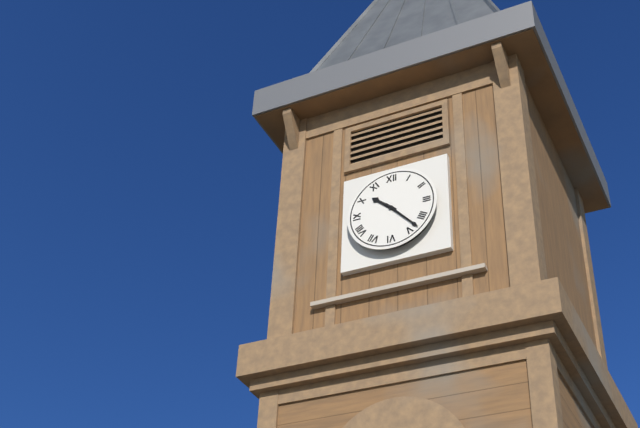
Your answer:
{"hour": 10, "minute": 23}
